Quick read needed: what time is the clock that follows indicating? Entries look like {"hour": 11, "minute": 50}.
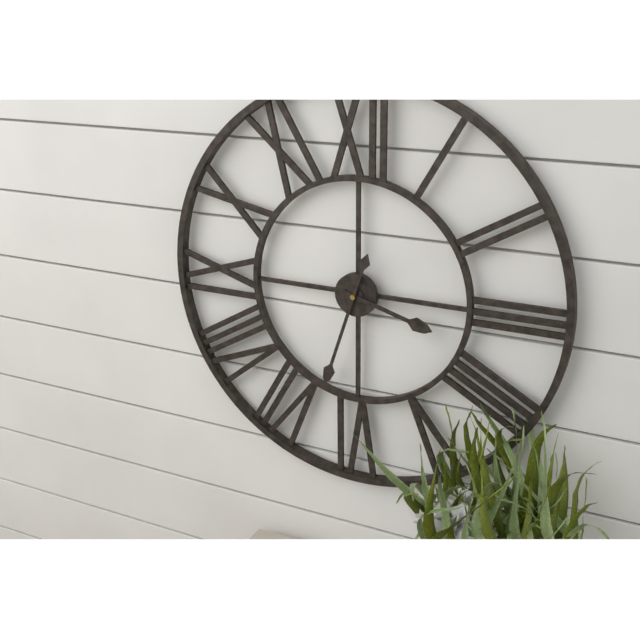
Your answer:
{"hour": 3, "minute": 33}
